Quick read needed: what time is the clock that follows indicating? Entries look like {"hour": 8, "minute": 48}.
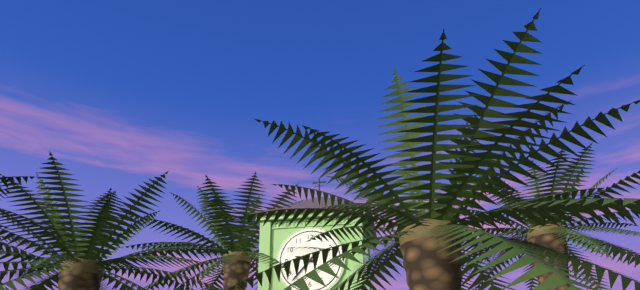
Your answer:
{"hour": 9, "minute": 37}
